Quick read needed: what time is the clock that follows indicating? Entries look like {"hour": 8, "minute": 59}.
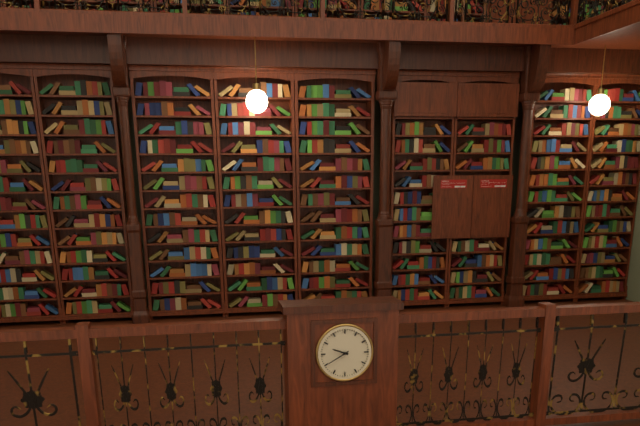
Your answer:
{"hour": 9, "minute": 40}
